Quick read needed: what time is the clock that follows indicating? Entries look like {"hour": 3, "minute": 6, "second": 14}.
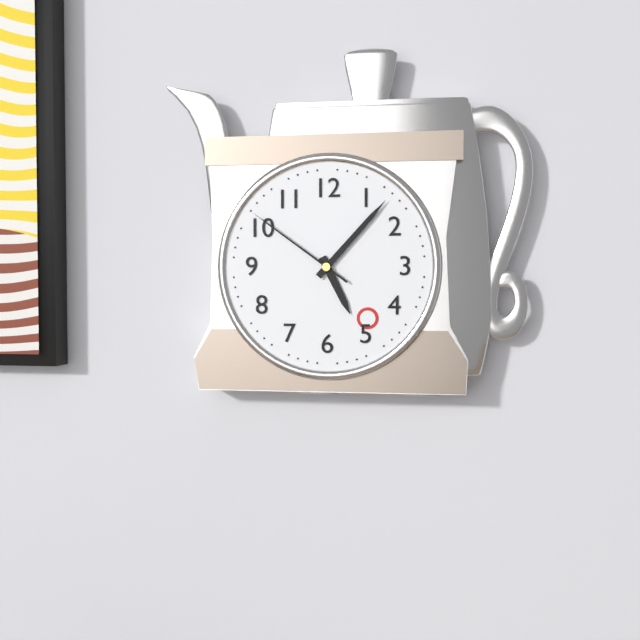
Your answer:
{"hour": 5, "minute": 7, "second": 51}
